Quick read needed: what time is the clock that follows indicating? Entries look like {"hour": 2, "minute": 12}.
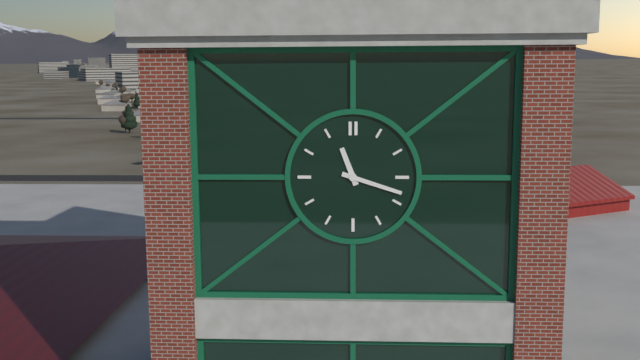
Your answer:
{"hour": 11, "minute": 18}
